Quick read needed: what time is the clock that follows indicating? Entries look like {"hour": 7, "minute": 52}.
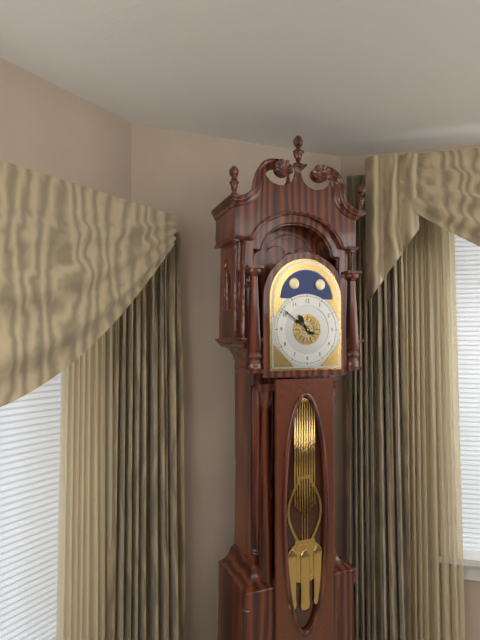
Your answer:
{"hour": 10, "minute": 51}
